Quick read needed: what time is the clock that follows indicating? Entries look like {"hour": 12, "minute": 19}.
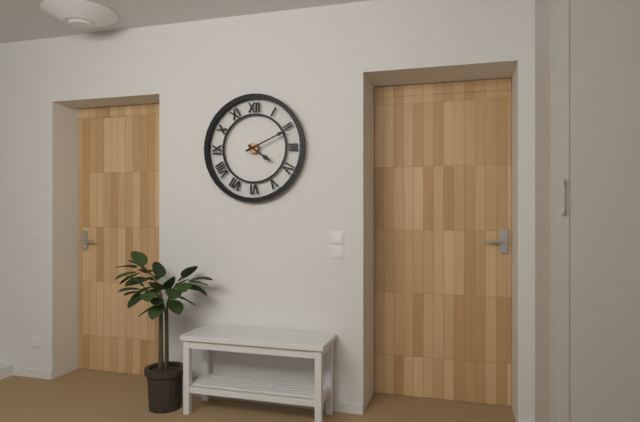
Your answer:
{"hour": 4, "minute": 11}
